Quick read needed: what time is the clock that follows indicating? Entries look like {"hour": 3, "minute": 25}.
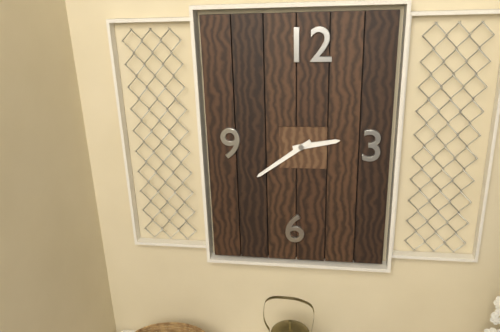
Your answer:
{"hour": 2, "minute": 39}
